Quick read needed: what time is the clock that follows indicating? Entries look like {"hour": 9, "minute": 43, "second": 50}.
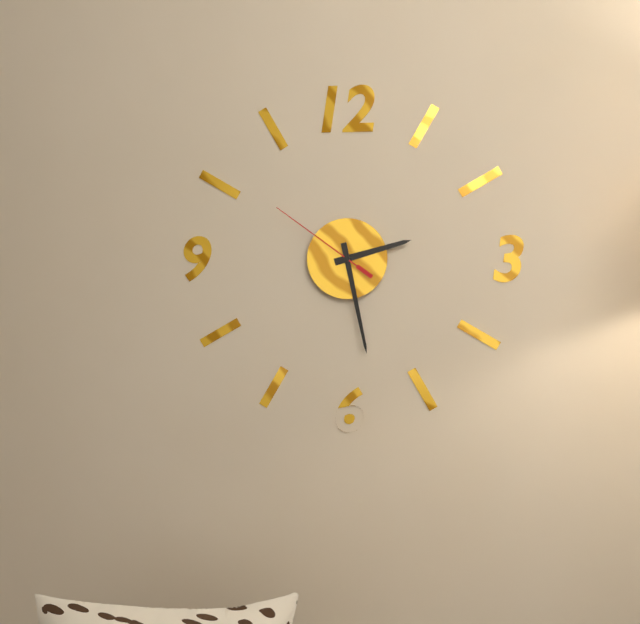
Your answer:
{"hour": 2, "minute": 28, "second": 51}
